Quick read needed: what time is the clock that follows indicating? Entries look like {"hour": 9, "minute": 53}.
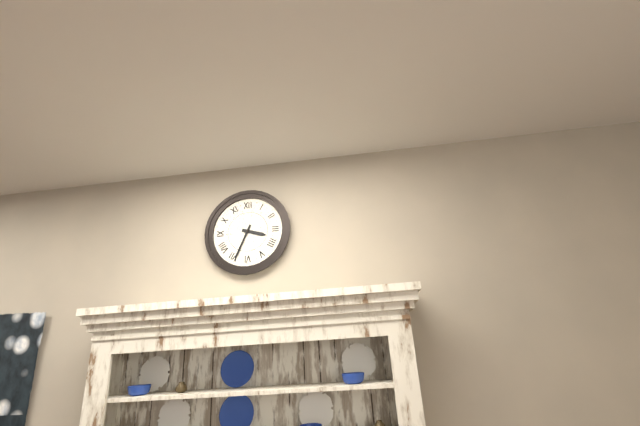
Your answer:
{"hour": 3, "minute": 34}
